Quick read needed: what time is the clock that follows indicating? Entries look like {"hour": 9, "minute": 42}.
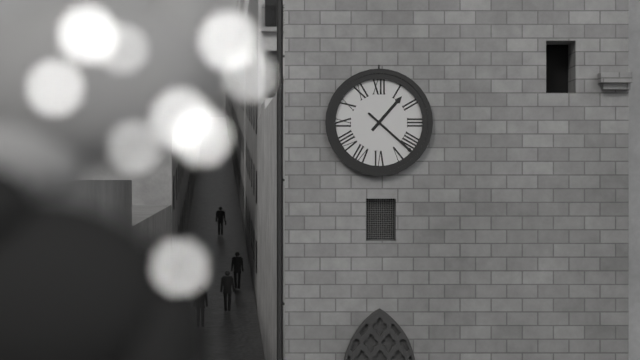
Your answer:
{"hour": 1, "minute": 22}
